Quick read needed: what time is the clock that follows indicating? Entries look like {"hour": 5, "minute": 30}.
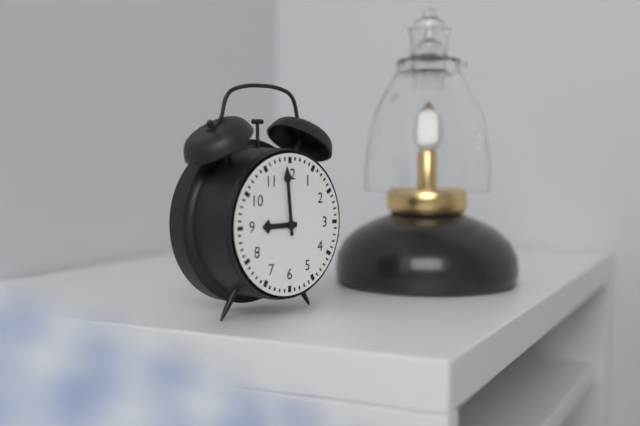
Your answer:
{"hour": 8, "minute": 59}
